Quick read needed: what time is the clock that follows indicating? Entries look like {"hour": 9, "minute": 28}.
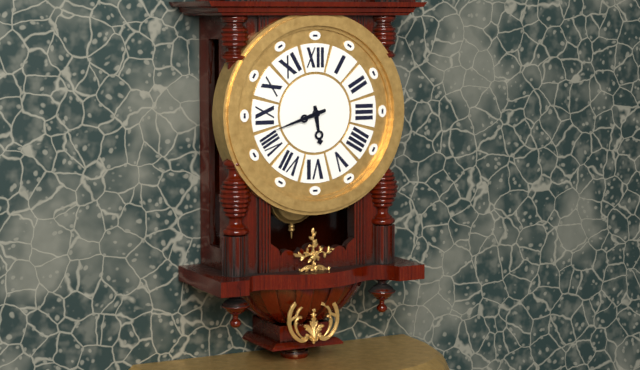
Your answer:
{"hour": 5, "minute": 42}
